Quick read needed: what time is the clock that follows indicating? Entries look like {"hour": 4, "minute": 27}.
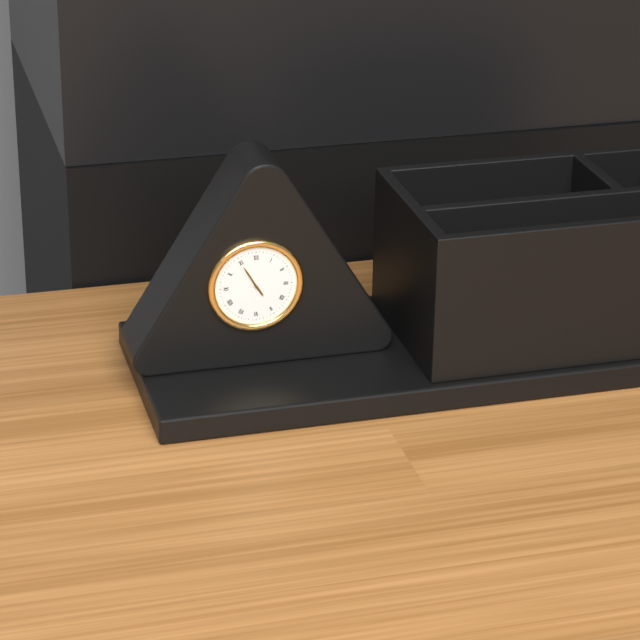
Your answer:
{"hour": 4, "minute": 55}
